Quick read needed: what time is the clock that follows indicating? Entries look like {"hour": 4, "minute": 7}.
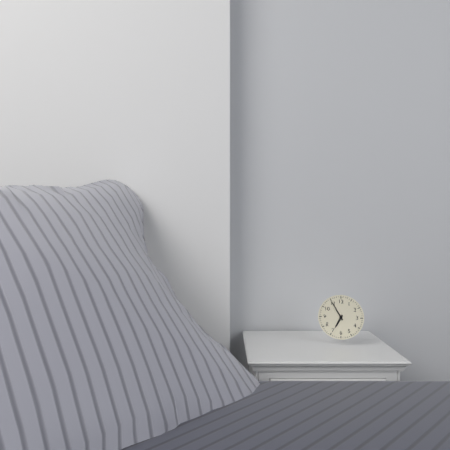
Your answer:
{"hour": 6, "minute": 55}
